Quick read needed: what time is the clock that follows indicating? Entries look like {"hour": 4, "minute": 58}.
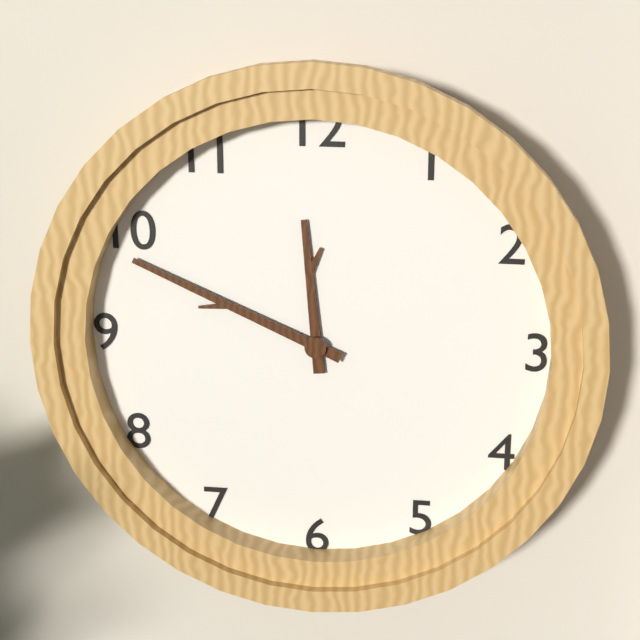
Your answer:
{"hour": 11, "minute": 49}
